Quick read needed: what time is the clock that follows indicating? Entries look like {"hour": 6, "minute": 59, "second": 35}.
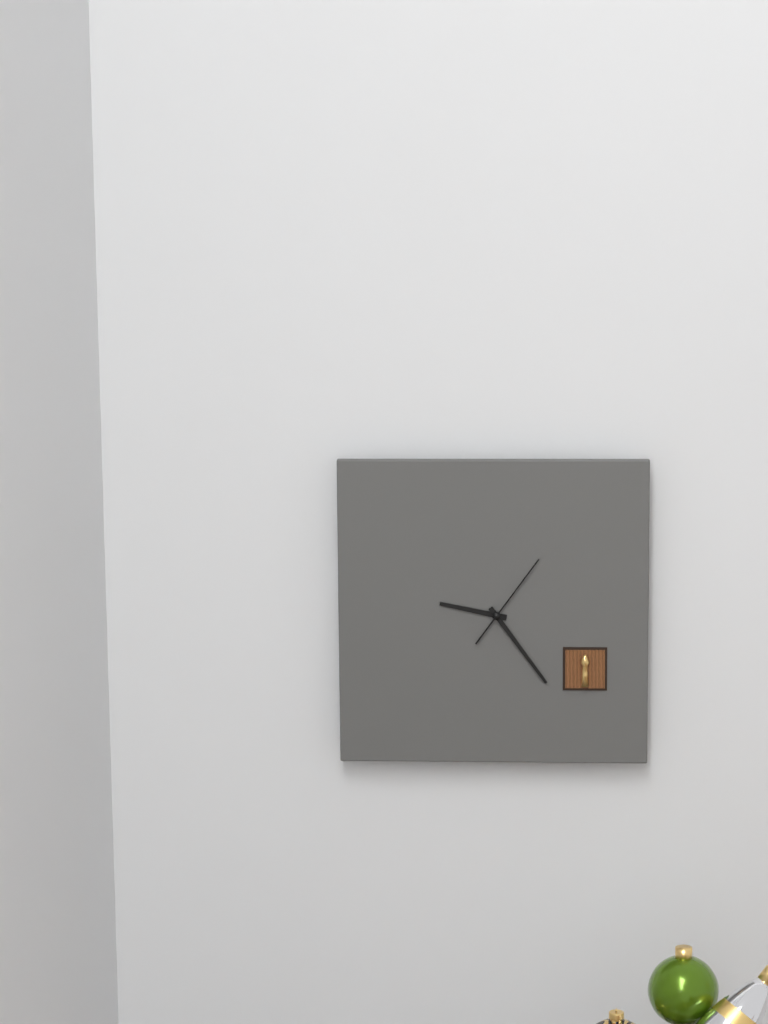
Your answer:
{"hour": 9, "minute": 24, "second": 6}
